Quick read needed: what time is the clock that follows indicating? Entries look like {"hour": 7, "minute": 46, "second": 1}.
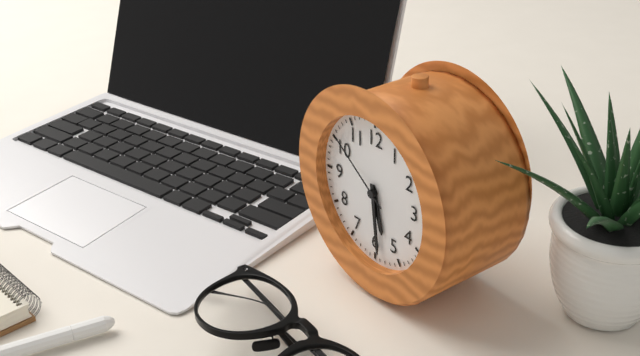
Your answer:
{"hour": 5, "minute": 29, "second": 51}
